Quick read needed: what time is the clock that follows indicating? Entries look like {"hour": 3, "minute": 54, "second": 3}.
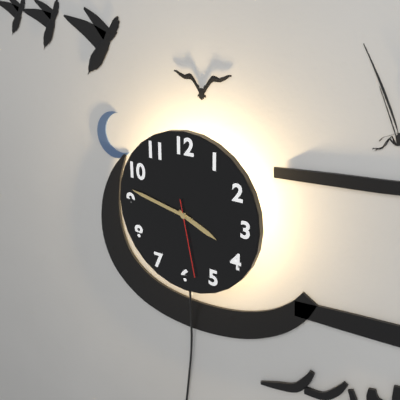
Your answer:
{"hour": 3, "minute": 47, "second": 28}
